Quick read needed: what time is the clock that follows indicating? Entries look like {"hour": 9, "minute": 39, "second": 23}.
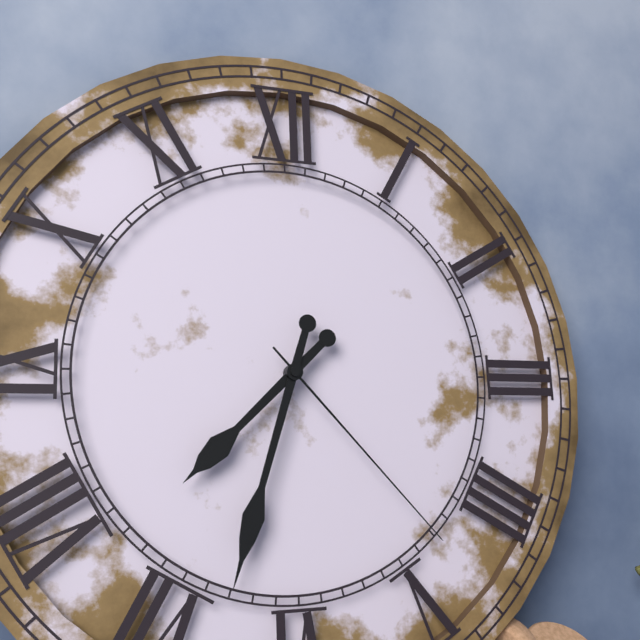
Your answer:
{"hour": 7, "minute": 33, "second": 23}
